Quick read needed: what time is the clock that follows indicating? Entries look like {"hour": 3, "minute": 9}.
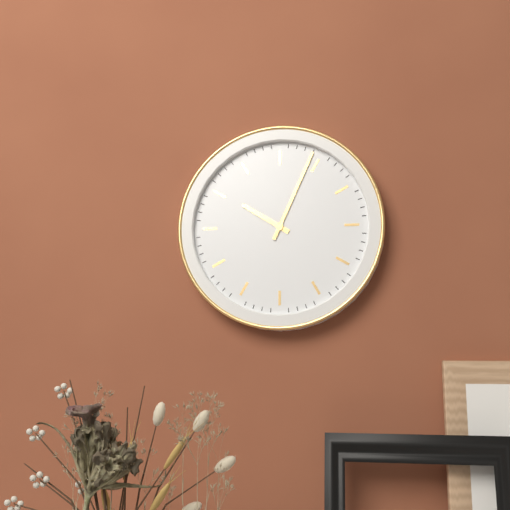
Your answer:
{"hour": 10, "minute": 4}
